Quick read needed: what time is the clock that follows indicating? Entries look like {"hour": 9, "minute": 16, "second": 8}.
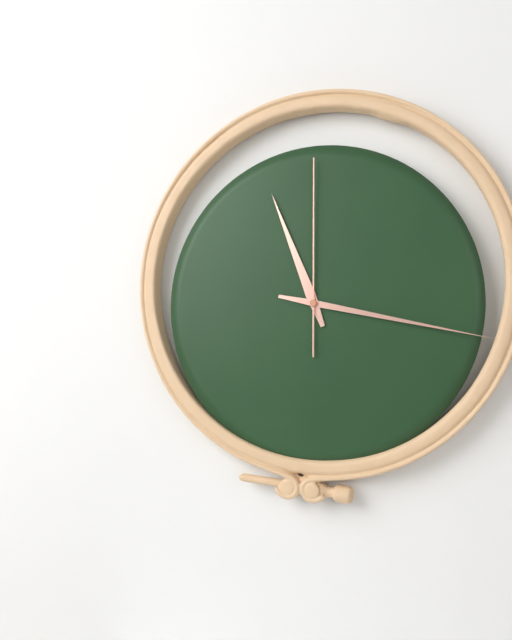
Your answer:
{"hour": 11, "minute": 17, "second": 0}
